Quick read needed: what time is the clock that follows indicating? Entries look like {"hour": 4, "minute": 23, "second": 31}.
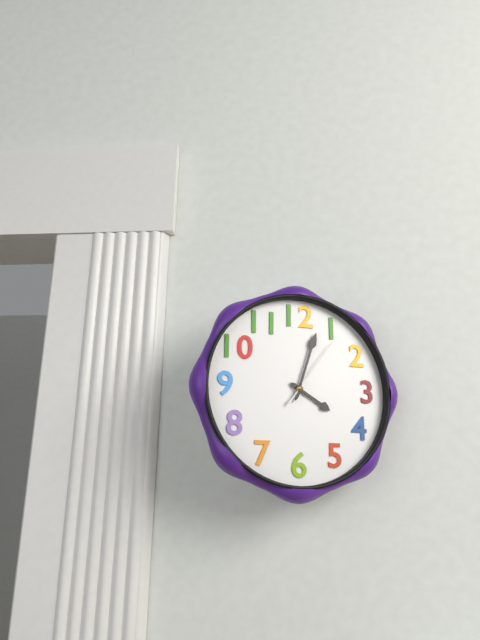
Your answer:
{"hour": 4, "minute": 3, "second": 6}
